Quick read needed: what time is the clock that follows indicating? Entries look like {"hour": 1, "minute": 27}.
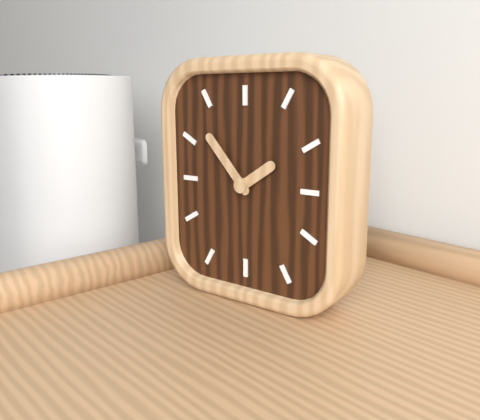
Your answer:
{"hour": 1, "minute": 53}
